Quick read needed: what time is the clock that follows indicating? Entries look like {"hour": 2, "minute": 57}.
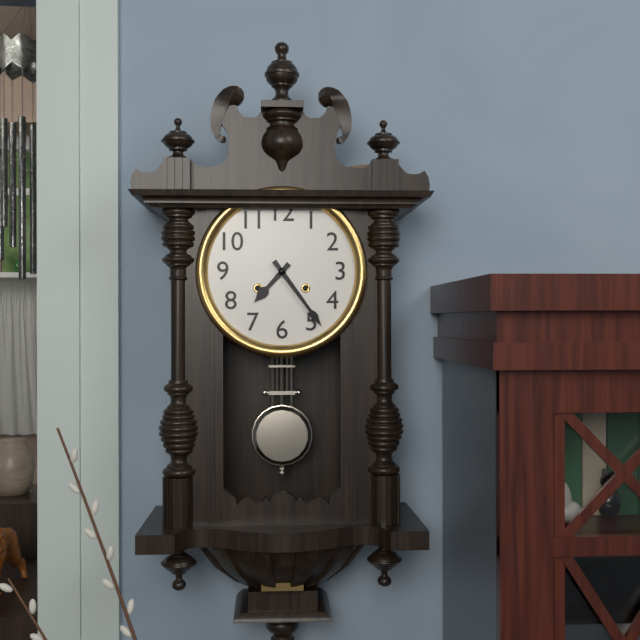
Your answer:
{"hour": 7, "minute": 24}
